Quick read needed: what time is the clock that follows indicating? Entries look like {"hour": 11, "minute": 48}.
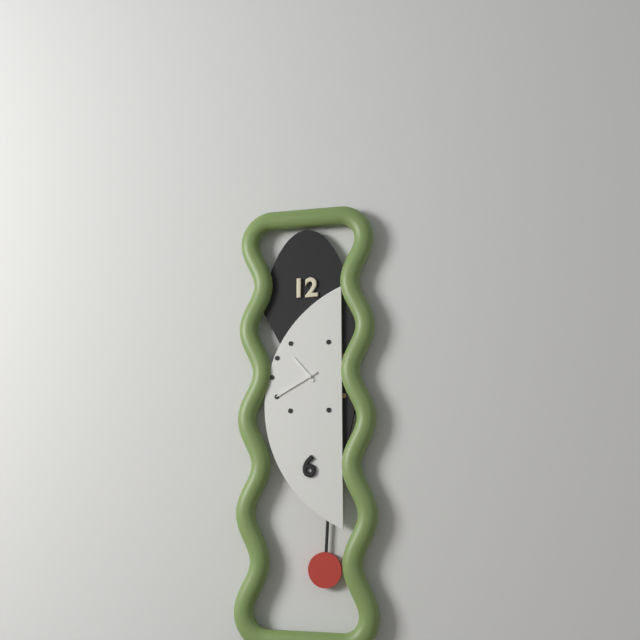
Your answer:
{"hour": 10, "minute": 40}
